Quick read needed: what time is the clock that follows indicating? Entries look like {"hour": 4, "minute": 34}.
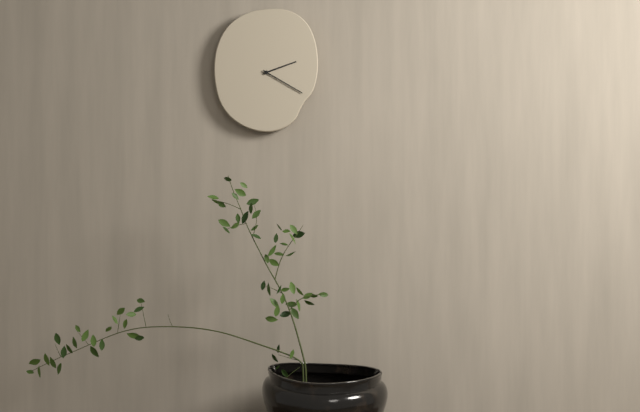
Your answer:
{"hour": 2, "minute": 20}
